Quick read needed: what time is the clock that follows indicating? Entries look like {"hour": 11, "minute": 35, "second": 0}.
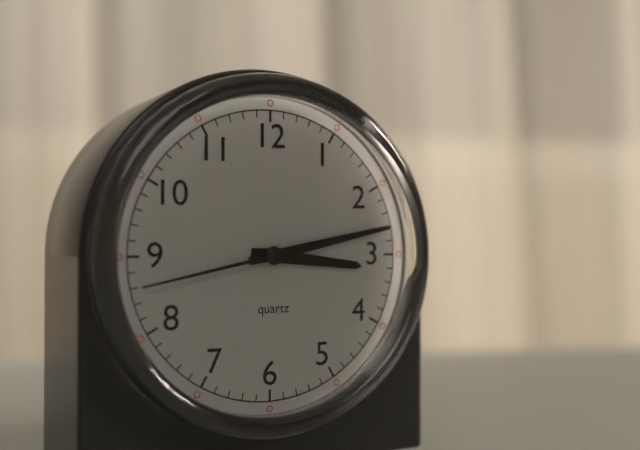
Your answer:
{"hour": 3, "minute": 13, "second": 43}
